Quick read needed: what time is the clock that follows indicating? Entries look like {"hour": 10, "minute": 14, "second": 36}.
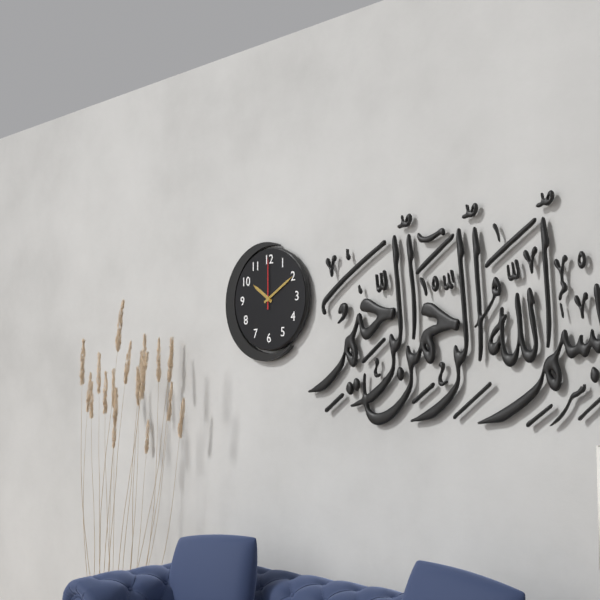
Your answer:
{"hour": 10, "minute": 10, "second": 0}
